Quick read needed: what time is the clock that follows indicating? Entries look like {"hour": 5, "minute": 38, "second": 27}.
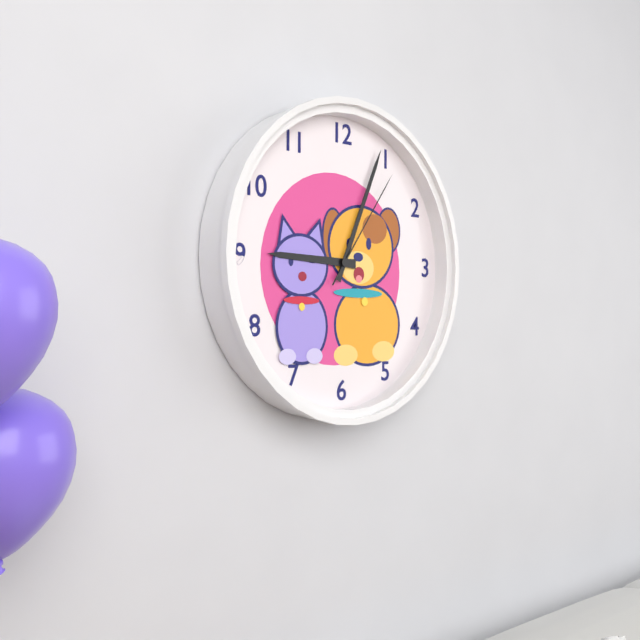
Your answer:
{"hour": 9, "minute": 4, "second": 6}
